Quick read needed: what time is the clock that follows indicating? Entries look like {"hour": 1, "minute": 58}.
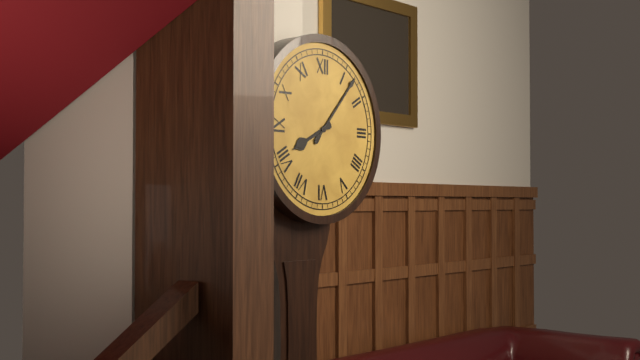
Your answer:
{"hour": 8, "minute": 7}
